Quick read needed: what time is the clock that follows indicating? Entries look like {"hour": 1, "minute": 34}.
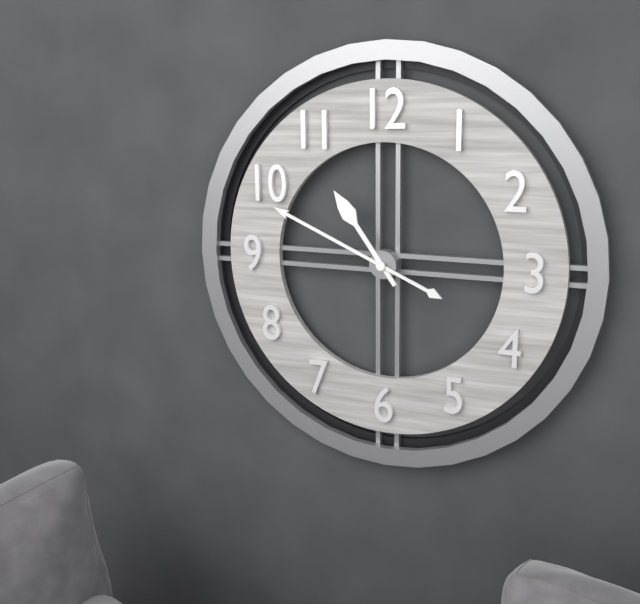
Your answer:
{"hour": 10, "minute": 49}
